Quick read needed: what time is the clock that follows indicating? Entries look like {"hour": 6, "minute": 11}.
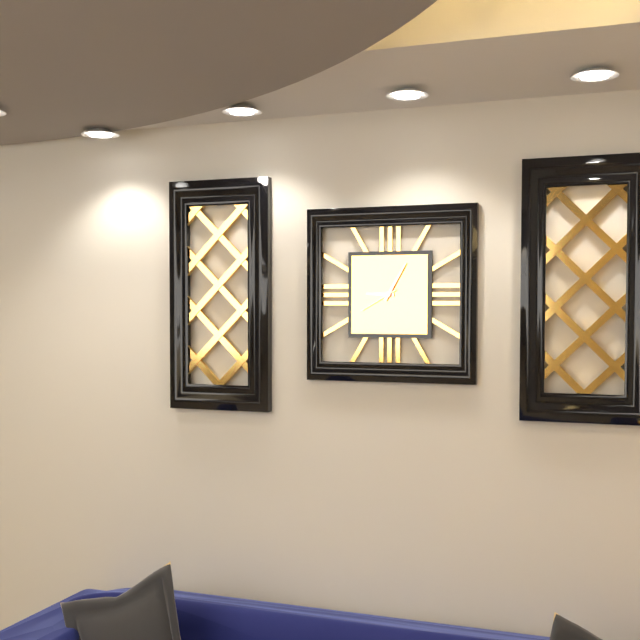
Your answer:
{"hour": 9, "minute": 5}
